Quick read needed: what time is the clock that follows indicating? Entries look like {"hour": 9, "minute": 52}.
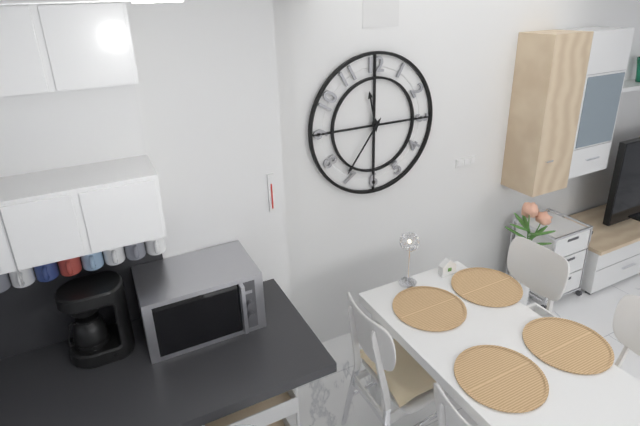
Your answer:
{"hour": 11, "minute": 36}
